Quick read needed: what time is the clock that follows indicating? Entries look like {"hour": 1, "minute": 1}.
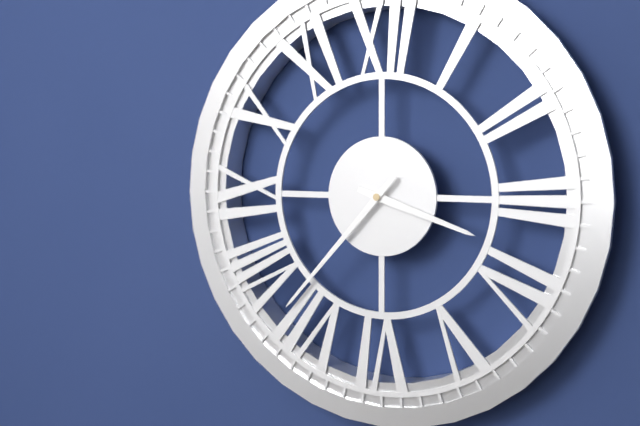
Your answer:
{"hour": 3, "minute": 37}
